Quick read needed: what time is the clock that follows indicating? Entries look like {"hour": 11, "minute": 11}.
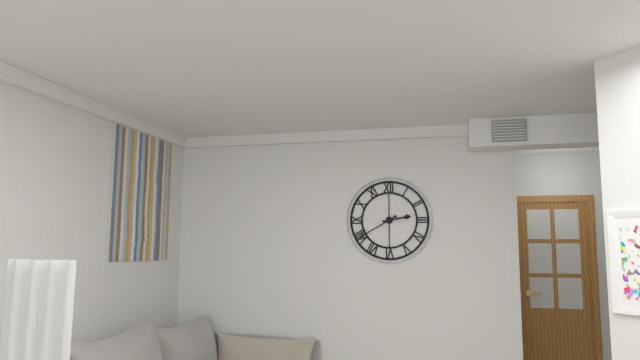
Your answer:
{"hour": 2, "minute": 40}
